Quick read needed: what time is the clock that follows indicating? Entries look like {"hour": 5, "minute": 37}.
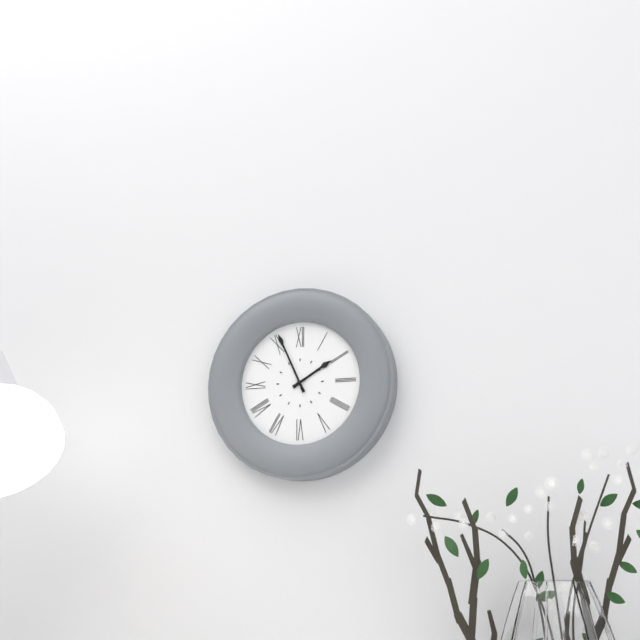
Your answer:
{"hour": 1, "minute": 56}
